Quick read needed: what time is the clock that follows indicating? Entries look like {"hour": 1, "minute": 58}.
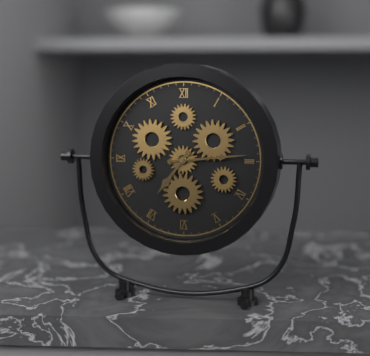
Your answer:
{"hour": 7, "minute": 14}
